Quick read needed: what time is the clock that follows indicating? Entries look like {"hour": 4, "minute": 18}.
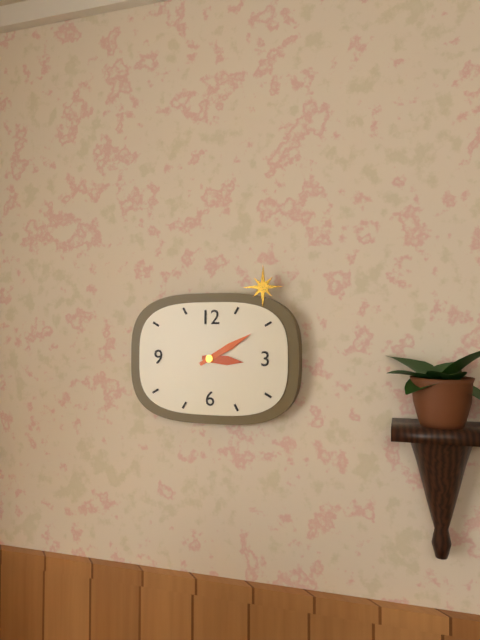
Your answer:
{"hour": 3, "minute": 10}
